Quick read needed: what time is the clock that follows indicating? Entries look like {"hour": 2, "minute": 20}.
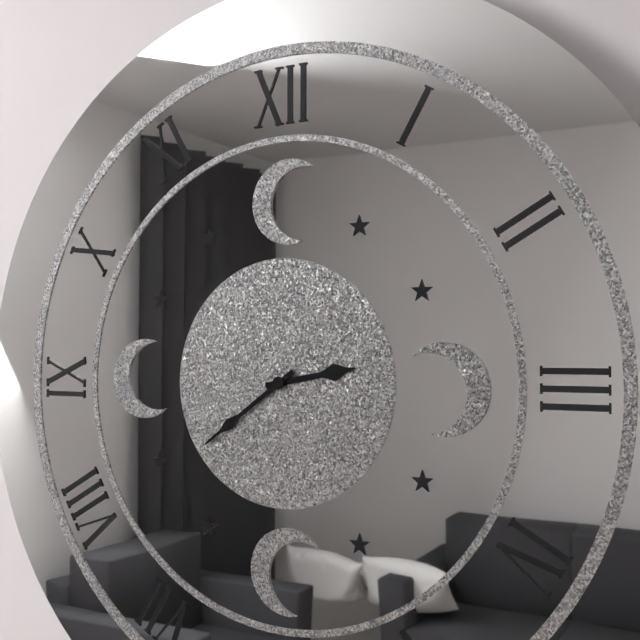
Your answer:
{"hour": 2, "minute": 39}
